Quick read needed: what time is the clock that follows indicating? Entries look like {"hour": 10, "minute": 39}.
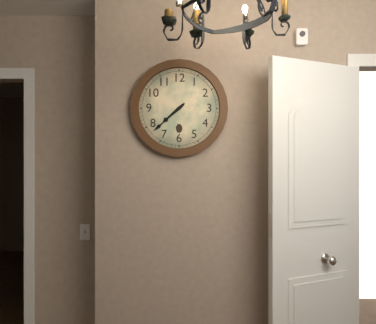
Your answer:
{"hour": 7, "minute": 38}
